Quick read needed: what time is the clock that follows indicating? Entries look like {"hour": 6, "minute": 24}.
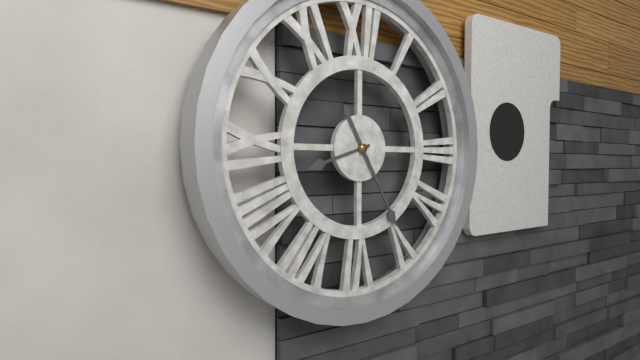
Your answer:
{"hour": 8, "minute": 25}
